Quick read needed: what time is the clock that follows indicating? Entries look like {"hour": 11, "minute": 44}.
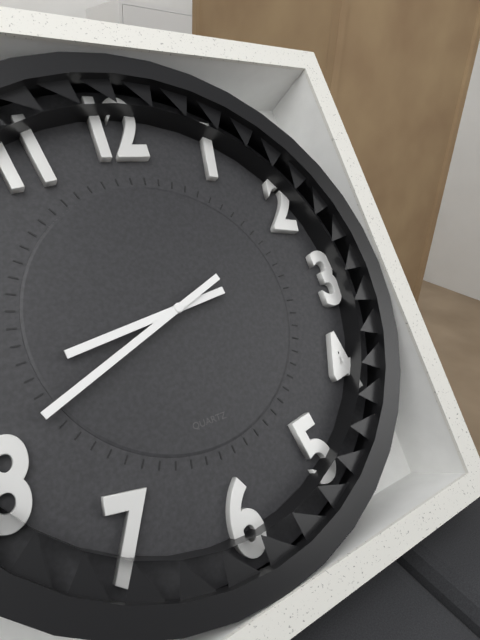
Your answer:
{"hour": 8, "minute": 41}
